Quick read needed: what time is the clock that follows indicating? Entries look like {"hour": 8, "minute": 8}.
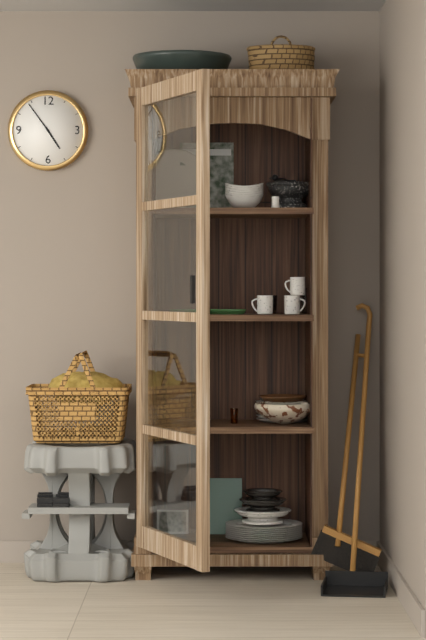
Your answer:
{"hour": 4, "minute": 54}
